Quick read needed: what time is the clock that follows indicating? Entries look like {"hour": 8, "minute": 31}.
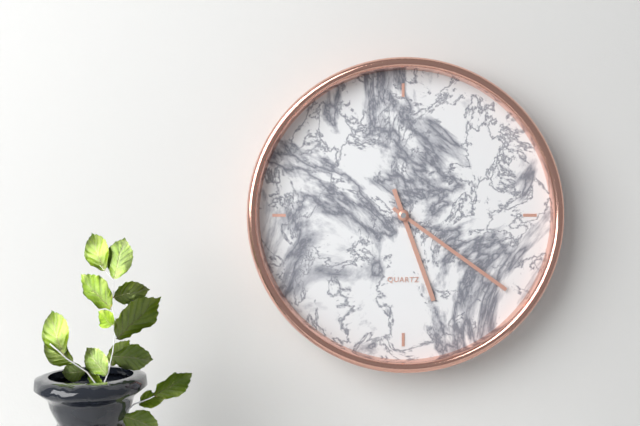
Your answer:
{"hour": 5, "minute": 21}
